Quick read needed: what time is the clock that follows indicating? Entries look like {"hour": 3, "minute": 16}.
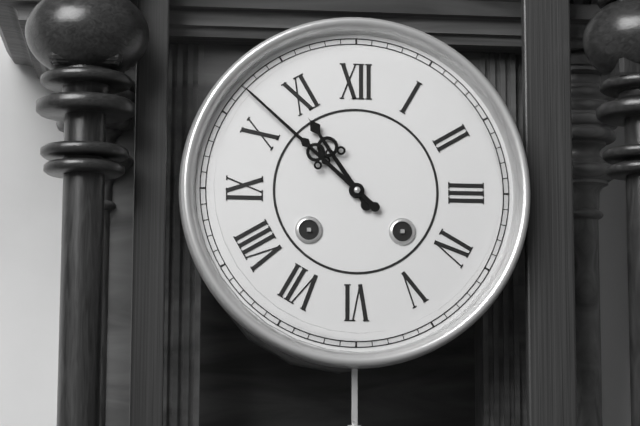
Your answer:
{"hour": 10, "minute": 52}
